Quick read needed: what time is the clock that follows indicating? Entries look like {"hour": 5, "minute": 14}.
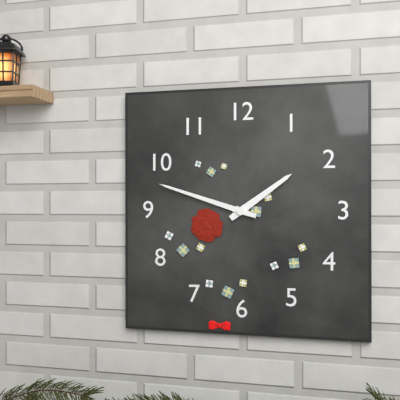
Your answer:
{"hour": 1, "minute": 48}
